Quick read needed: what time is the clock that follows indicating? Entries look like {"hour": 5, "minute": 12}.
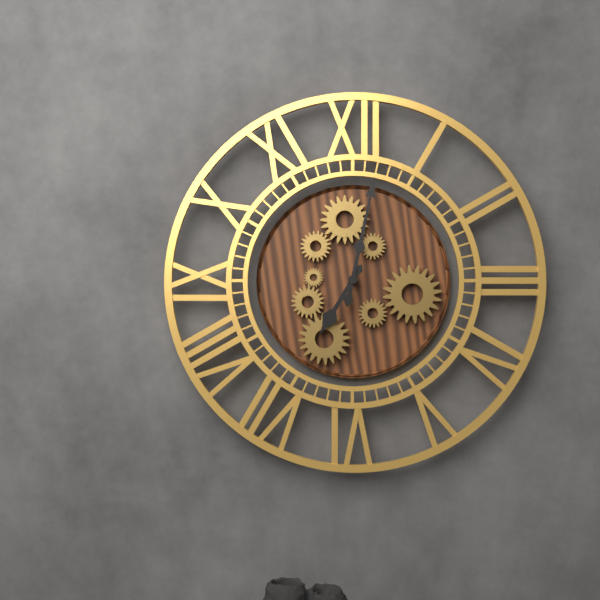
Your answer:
{"hour": 7, "minute": 2}
